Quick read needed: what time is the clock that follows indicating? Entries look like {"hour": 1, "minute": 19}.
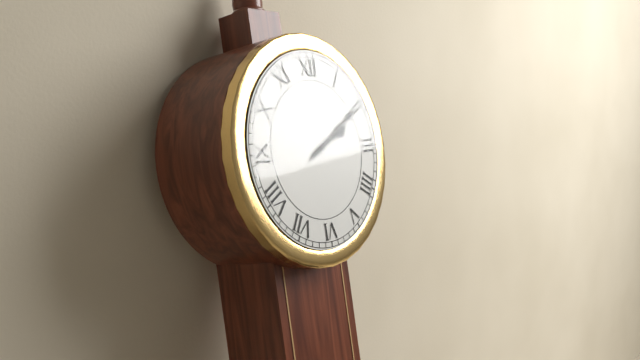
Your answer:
{"hour": 2, "minute": 10}
